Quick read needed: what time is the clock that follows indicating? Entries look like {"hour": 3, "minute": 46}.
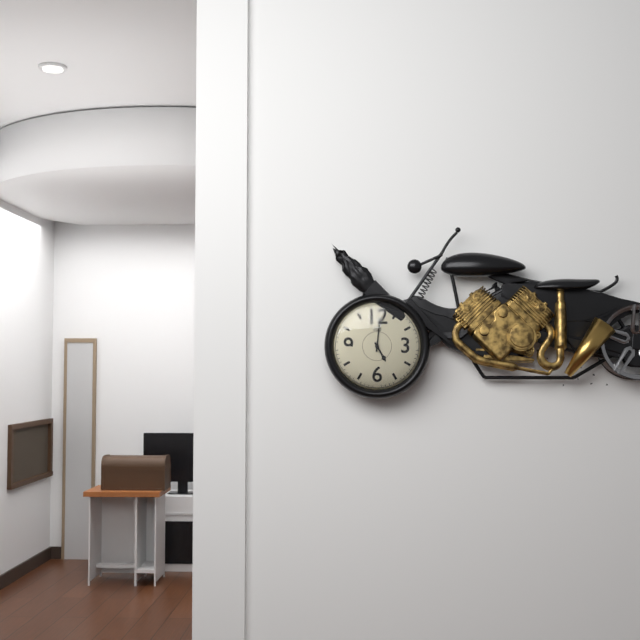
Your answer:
{"hour": 5, "minute": 1}
